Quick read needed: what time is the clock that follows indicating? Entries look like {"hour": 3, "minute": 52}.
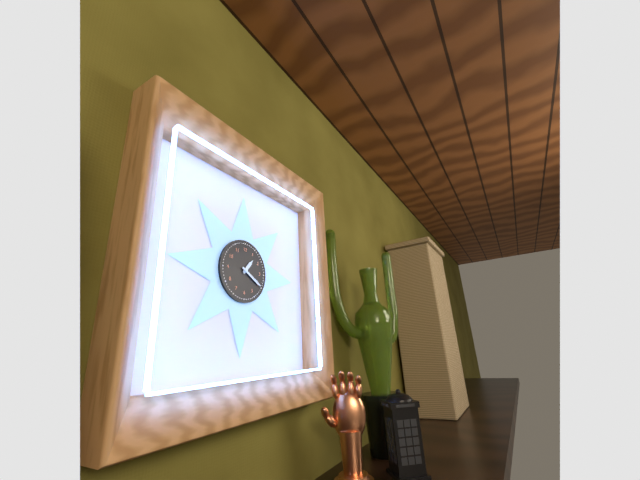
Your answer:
{"hour": 1, "minute": 20}
